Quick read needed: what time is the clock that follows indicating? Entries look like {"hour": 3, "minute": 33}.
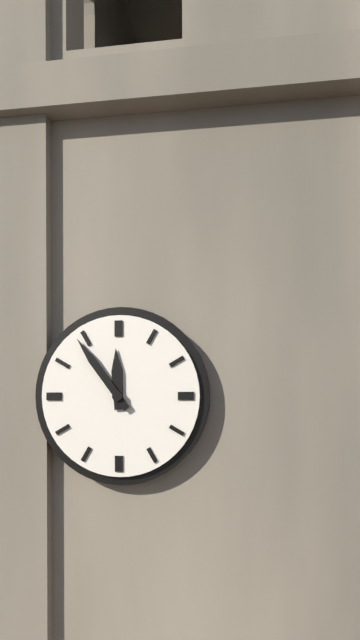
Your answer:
{"hour": 11, "minute": 54}
